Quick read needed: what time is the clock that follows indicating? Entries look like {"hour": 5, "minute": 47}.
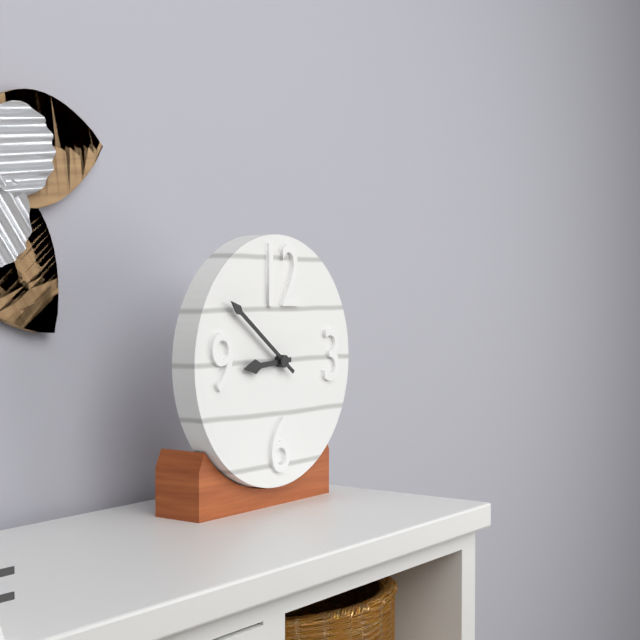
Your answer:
{"hour": 8, "minute": 51}
